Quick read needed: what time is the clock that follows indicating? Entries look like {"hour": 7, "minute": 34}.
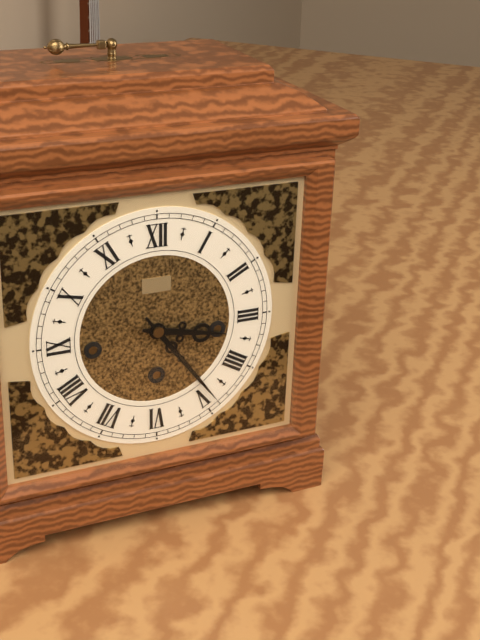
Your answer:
{"hour": 3, "minute": 24}
